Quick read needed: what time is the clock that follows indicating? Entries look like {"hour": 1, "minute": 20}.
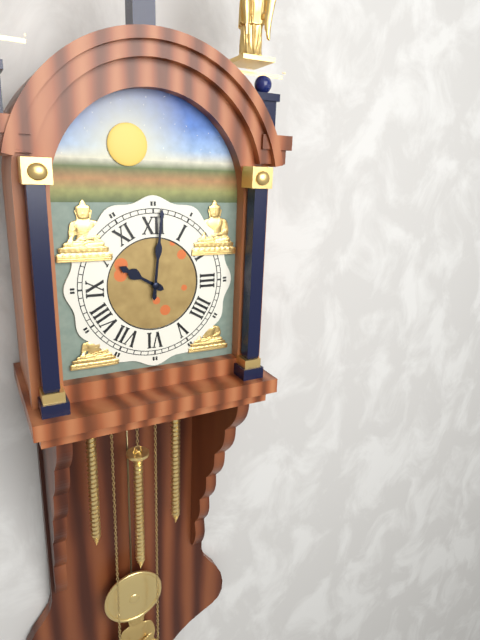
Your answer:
{"hour": 10, "minute": 1}
